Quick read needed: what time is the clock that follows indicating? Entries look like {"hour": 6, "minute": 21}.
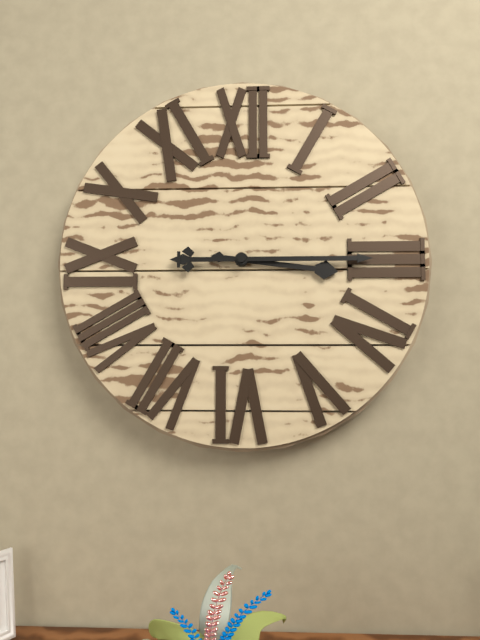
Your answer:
{"hour": 3, "minute": 15}
